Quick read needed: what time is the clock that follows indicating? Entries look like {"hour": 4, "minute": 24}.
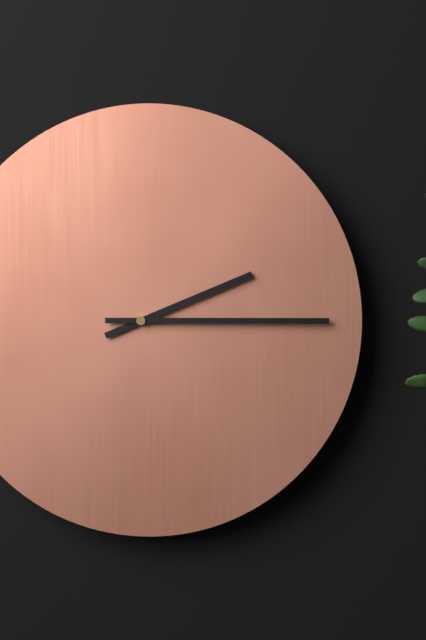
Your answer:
{"hour": 2, "minute": 15}
